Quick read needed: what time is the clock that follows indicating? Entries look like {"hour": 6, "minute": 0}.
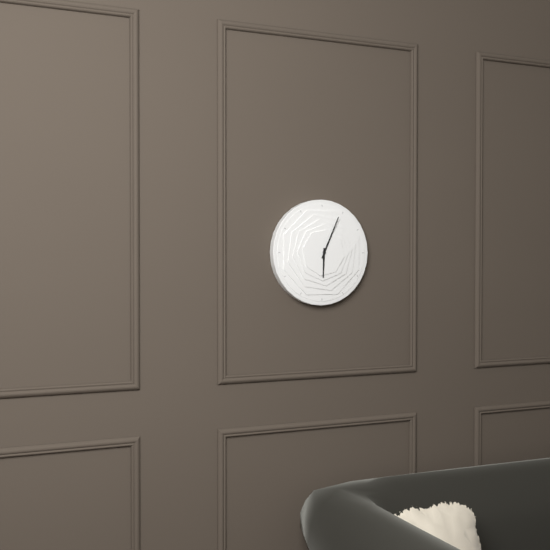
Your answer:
{"hour": 6, "minute": 4}
